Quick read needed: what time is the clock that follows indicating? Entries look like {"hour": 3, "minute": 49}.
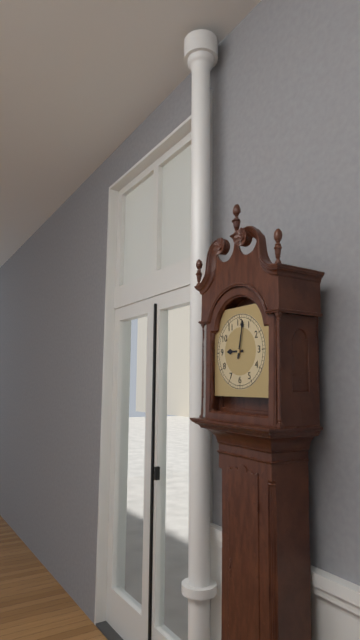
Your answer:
{"hour": 9, "minute": 2}
